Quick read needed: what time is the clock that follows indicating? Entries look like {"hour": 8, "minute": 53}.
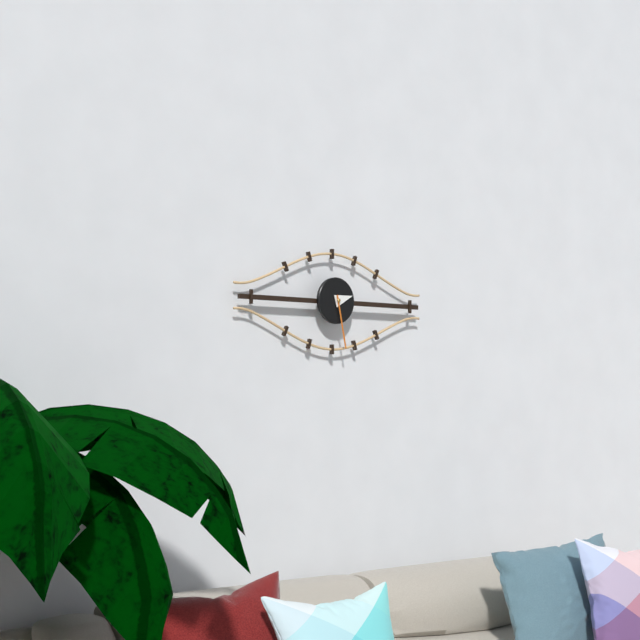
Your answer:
{"hour": 2, "minute": 28}
